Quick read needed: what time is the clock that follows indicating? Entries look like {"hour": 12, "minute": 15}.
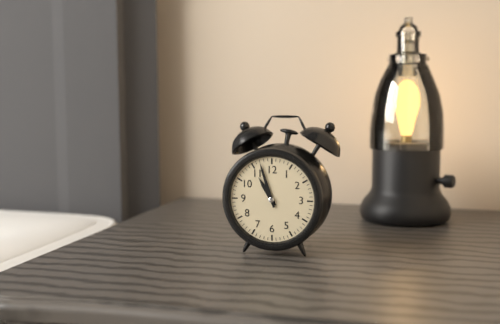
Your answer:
{"hour": 10, "minute": 57}
